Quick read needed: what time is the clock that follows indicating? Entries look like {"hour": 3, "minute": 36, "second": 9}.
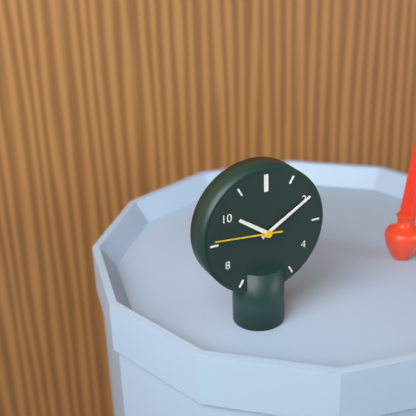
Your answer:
{"hour": 10, "minute": 10, "second": 46}
